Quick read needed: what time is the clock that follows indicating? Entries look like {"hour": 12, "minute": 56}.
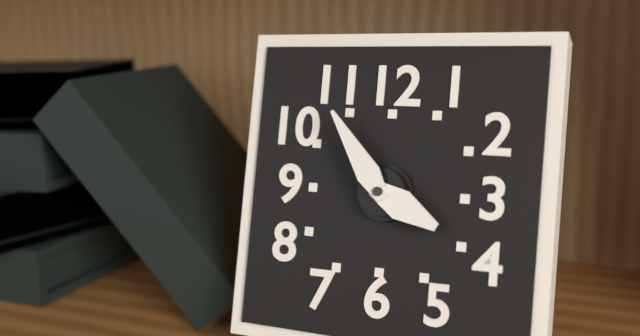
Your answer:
{"hour": 3, "minute": 54}
